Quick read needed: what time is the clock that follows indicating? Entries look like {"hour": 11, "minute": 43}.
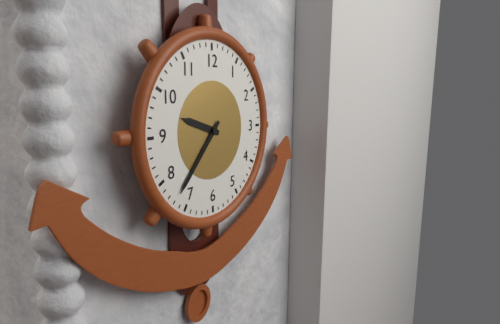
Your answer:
{"hour": 9, "minute": 37}
